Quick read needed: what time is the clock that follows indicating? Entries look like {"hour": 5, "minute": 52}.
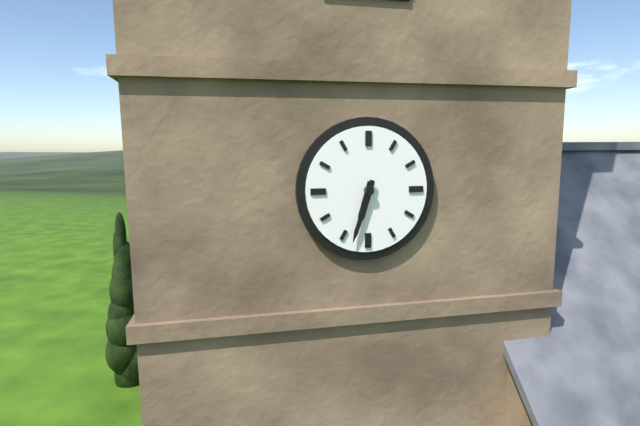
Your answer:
{"hour": 6, "minute": 33}
